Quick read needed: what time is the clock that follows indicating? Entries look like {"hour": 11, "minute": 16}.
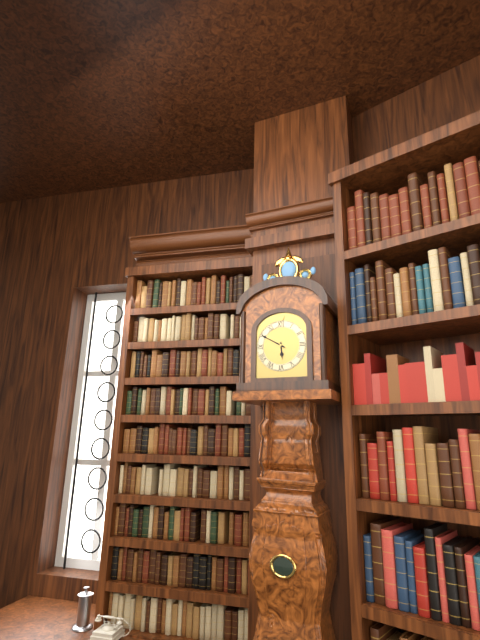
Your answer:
{"hour": 5, "minute": 50}
